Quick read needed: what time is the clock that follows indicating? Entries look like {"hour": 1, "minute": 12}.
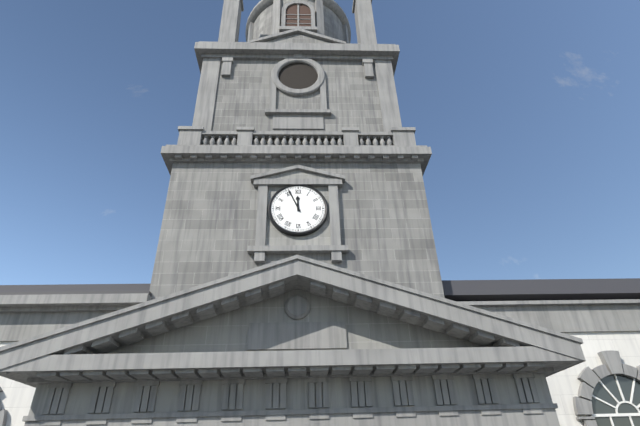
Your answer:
{"hour": 11, "minute": 56}
